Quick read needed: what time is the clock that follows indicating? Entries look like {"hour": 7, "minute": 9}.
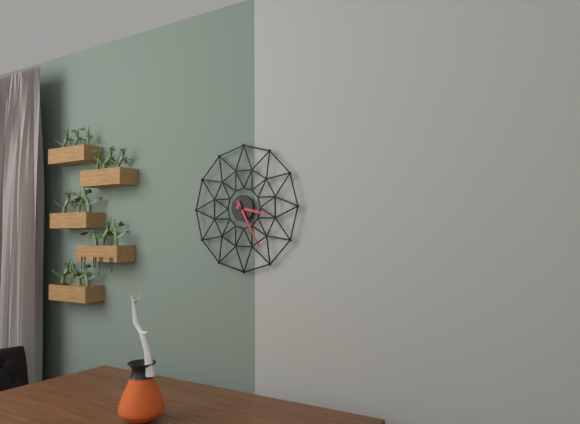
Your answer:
{"hour": 3, "minute": 25}
